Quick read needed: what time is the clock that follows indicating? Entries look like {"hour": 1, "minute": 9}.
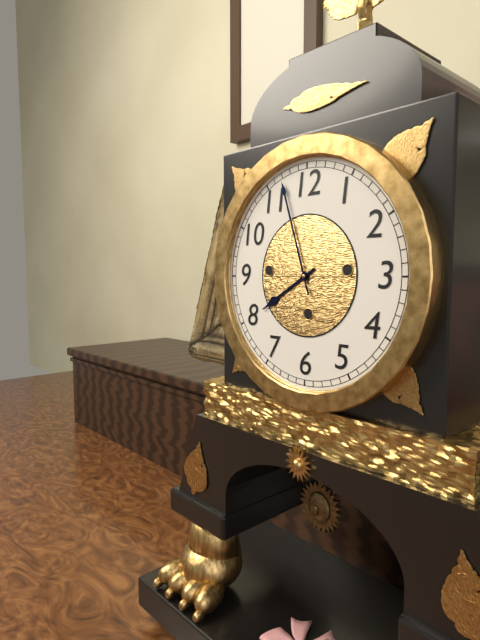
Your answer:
{"hour": 7, "minute": 57}
